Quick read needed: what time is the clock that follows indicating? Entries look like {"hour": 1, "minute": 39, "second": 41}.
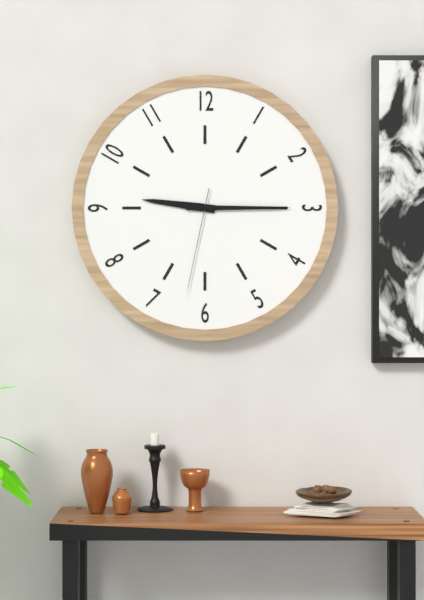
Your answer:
{"hour": 9, "minute": 15, "second": 32}
